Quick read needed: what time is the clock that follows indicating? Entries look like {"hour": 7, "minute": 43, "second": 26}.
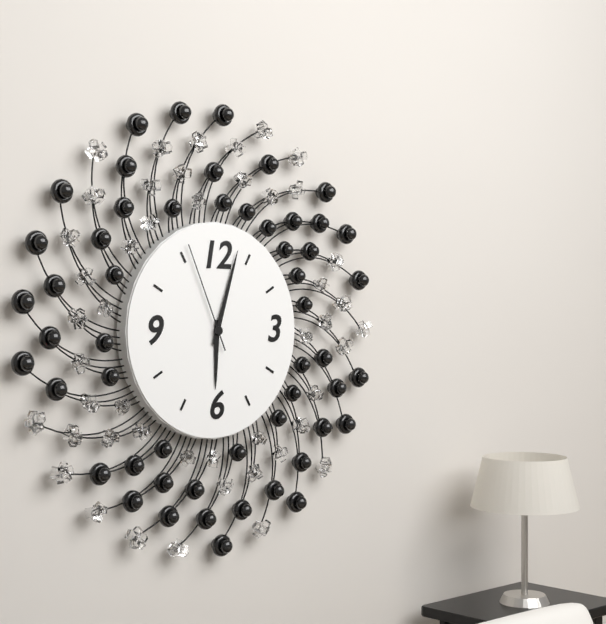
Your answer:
{"hour": 6, "minute": 3, "second": 56}
